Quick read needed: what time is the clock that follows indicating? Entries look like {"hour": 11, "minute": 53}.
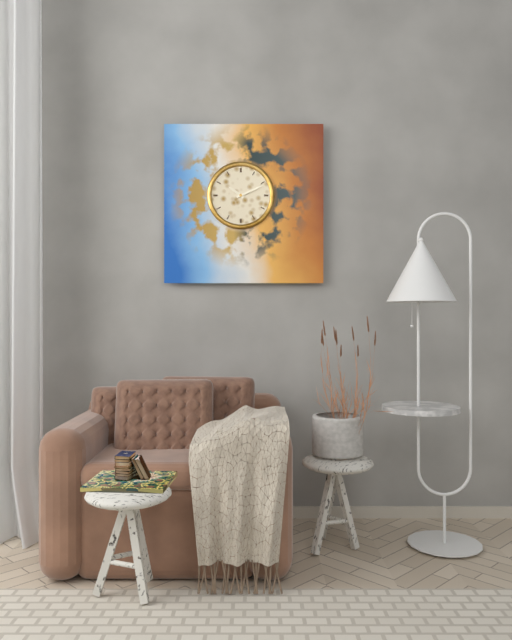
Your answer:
{"hour": 10, "minute": 11}
